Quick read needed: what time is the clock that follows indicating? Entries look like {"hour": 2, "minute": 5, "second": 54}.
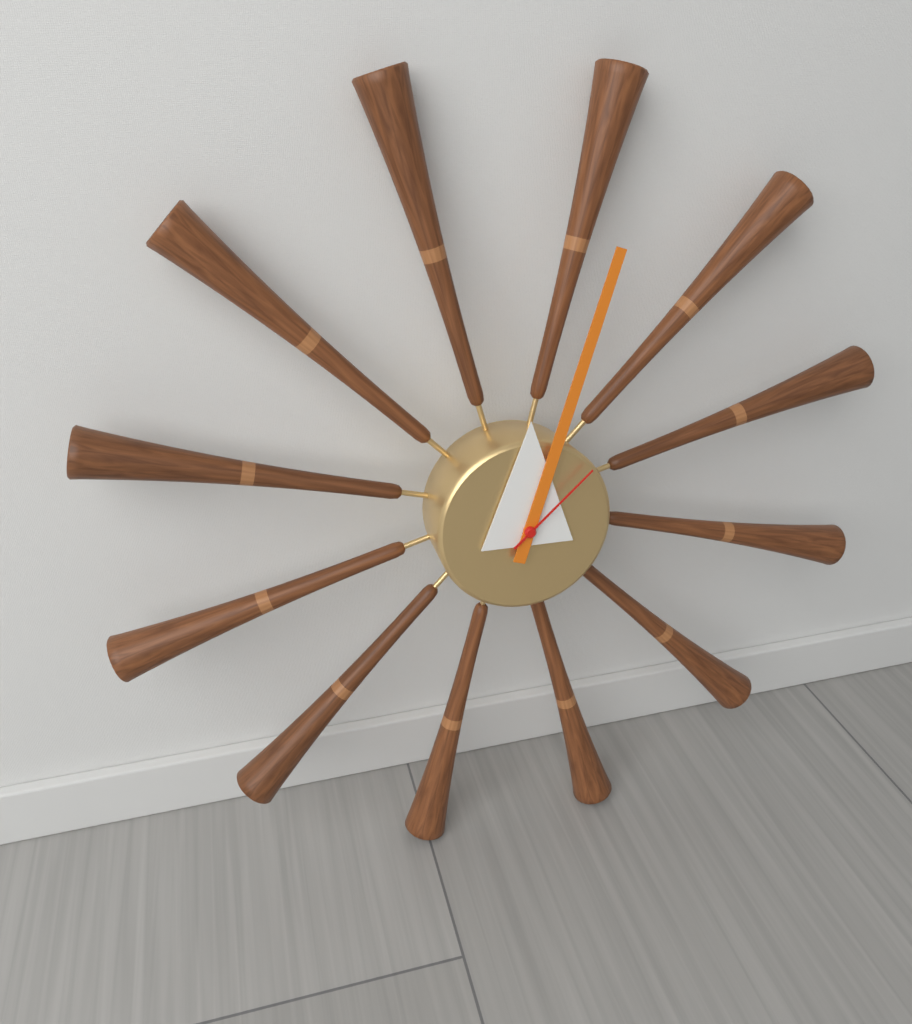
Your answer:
{"hour": 12, "minute": 3, "second": 8}
